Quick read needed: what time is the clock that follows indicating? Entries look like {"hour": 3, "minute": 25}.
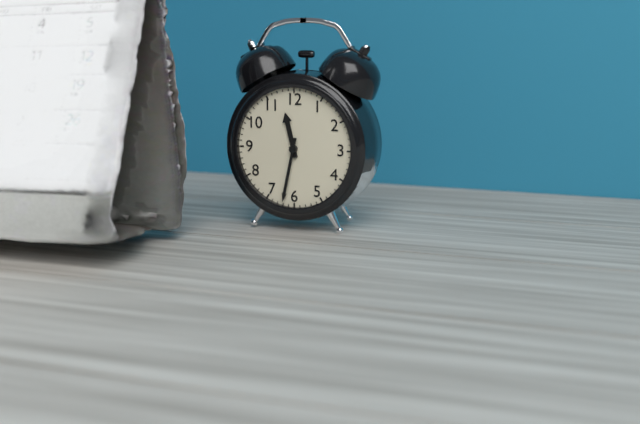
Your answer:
{"hour": 11, "minute": 32}
